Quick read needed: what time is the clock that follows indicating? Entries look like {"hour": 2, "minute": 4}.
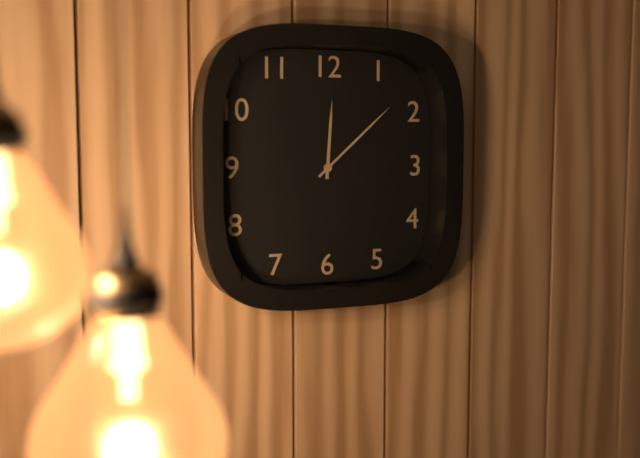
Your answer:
{"hour": 12, "minute": 8}
